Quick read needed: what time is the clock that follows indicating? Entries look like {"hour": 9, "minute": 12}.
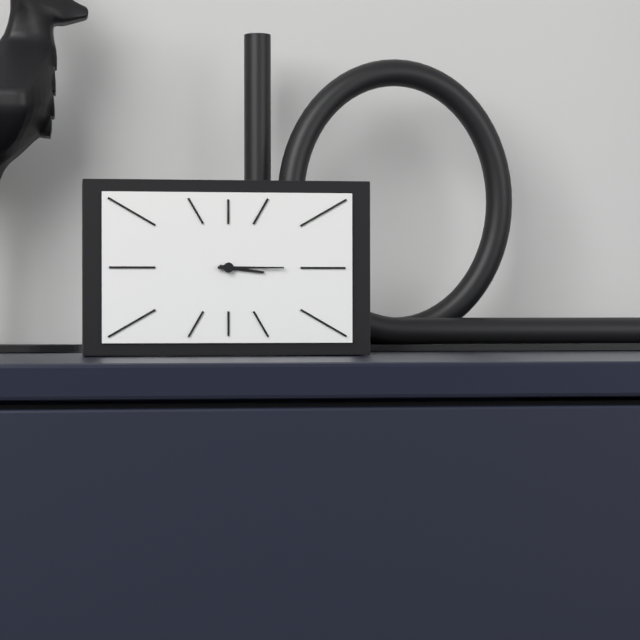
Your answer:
{"hour": 3, "minute": 15}
